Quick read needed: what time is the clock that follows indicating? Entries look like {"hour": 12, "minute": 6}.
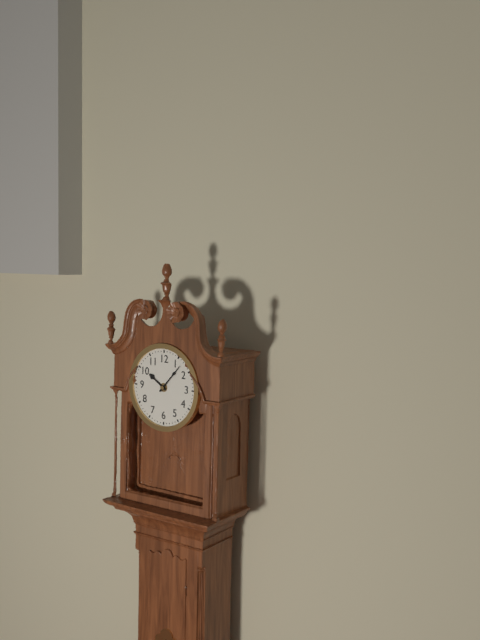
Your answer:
{"hour": 10, "minute": 7}
